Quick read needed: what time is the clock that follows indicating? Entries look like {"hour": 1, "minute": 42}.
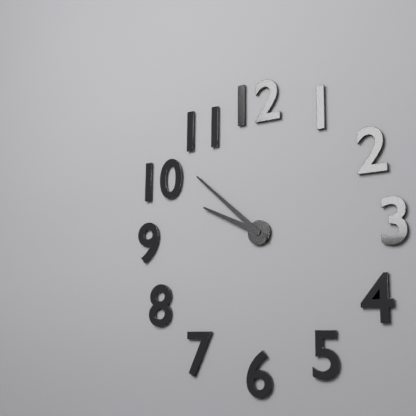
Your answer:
{"hour": 9, "minute": 52}
